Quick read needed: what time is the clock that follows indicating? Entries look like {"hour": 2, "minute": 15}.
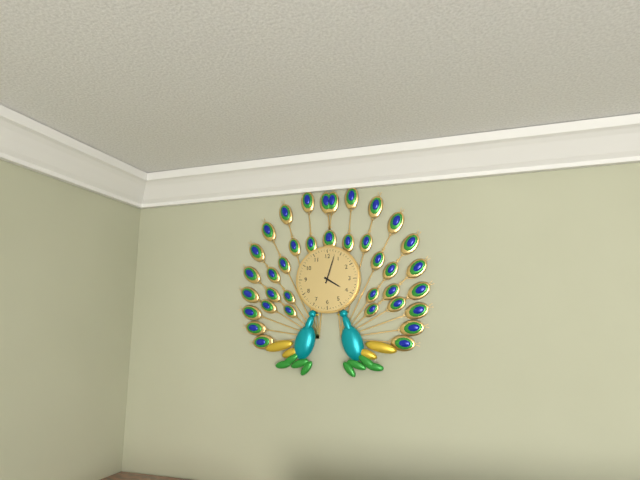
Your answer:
{"hour": 4, "minute": 3}
